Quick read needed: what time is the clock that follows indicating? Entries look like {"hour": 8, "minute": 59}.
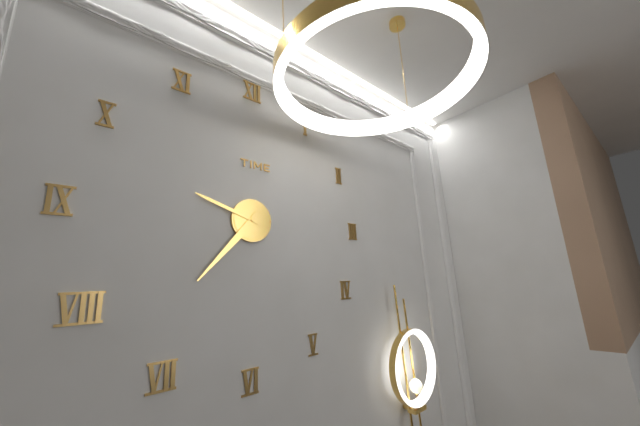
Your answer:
{"hour": 9, "minute": 37}
